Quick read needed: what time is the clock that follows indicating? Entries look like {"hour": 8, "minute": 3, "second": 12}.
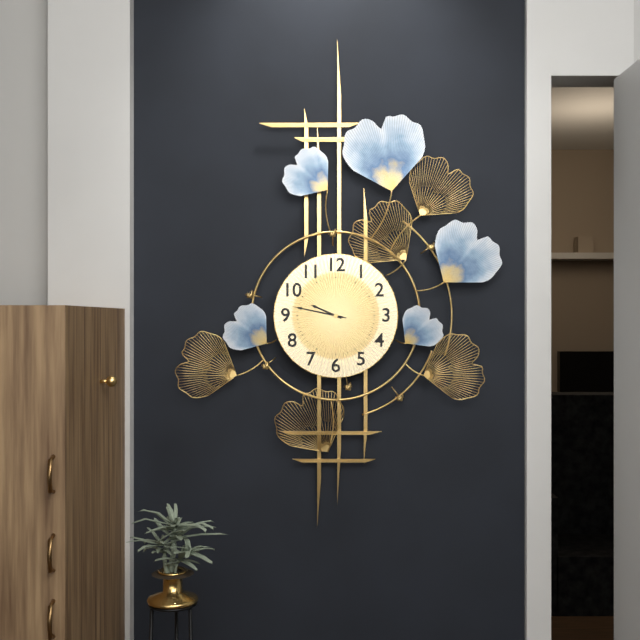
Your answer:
{"hour": 9, "minute": 47, "second": 47}
